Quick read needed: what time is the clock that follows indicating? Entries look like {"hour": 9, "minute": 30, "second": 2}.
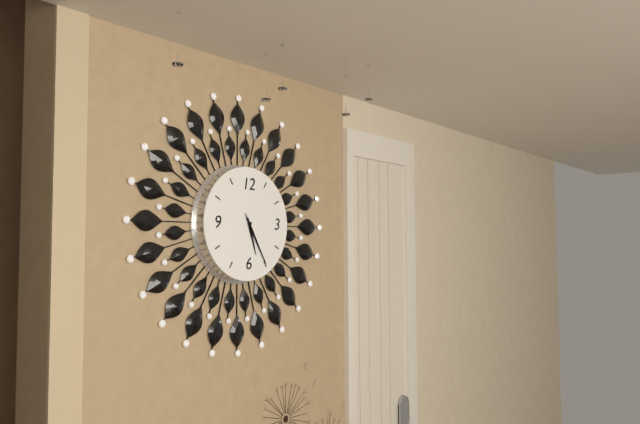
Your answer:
{"hour": 5, "minute": 25, "second": 25}
